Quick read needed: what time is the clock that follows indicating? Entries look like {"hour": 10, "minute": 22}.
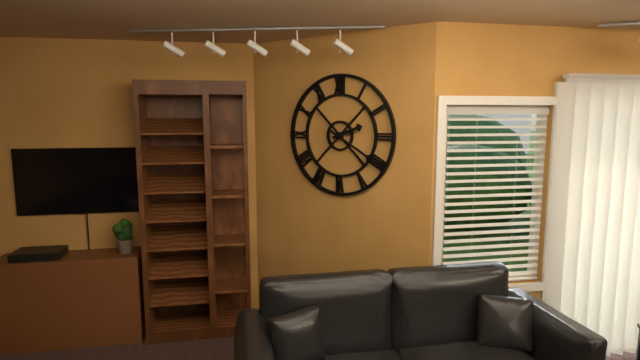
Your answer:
{"hour": 2, "minute": 20}
